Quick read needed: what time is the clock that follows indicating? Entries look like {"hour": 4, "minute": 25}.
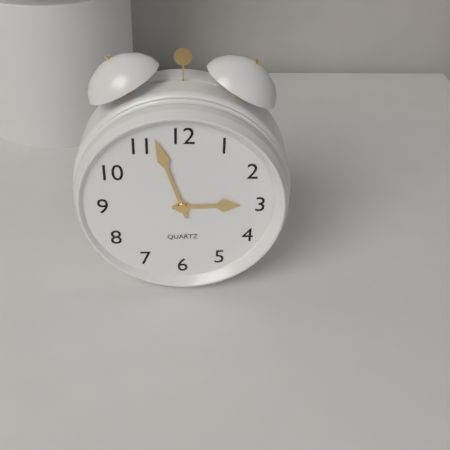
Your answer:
{"hour": 2, "minute": 57}
